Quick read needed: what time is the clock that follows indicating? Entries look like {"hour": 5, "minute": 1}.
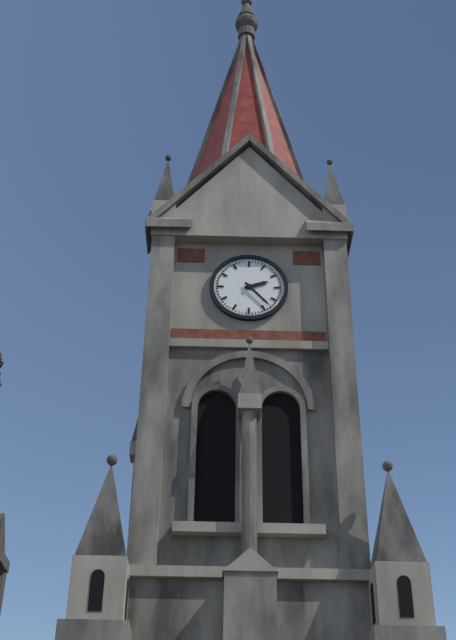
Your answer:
{"hour": 2, "minute": 23}
